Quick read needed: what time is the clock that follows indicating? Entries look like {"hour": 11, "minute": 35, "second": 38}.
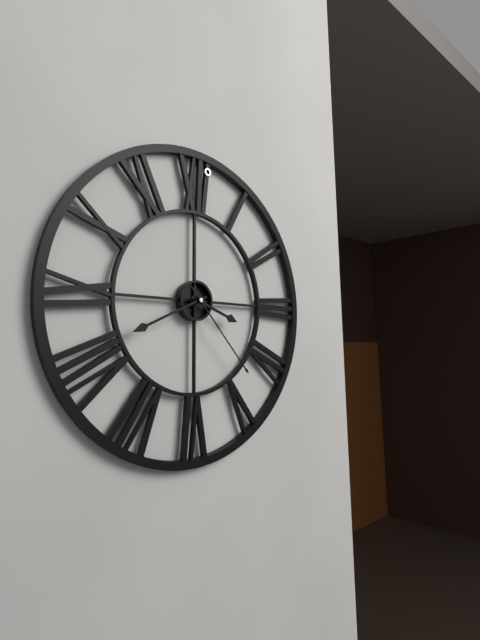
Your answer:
{"hour": 3, "minute": 41, "second": 23}
